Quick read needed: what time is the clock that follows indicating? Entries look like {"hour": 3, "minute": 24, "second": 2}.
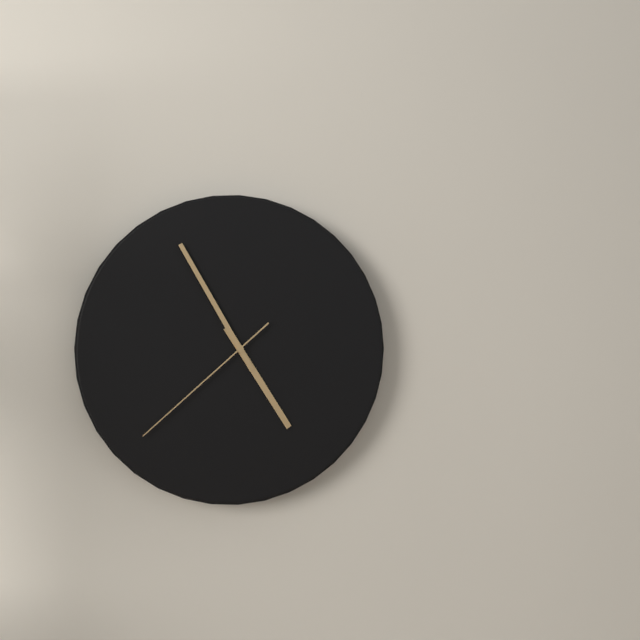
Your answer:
{"hour": 4, "minute": 55, "second": 38}
